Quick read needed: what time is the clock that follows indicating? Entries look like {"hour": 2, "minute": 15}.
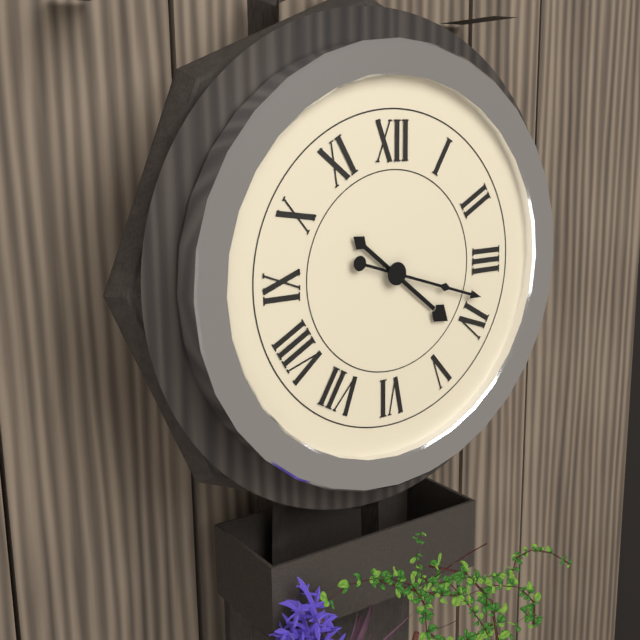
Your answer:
{"hour": 4, "minute": 18}
